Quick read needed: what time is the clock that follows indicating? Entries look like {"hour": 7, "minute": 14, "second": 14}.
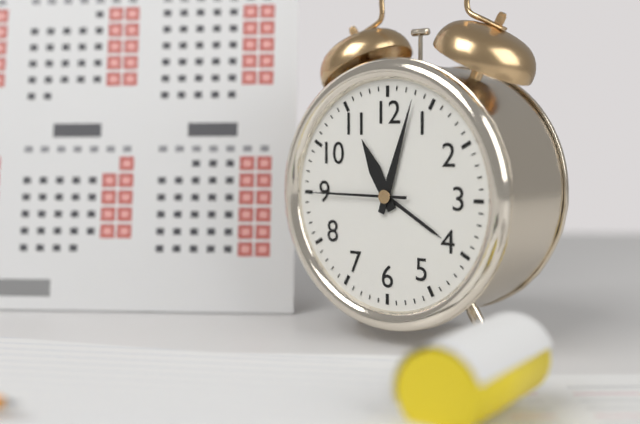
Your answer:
{"hour": 11, "minute": 3, "second": 45}
